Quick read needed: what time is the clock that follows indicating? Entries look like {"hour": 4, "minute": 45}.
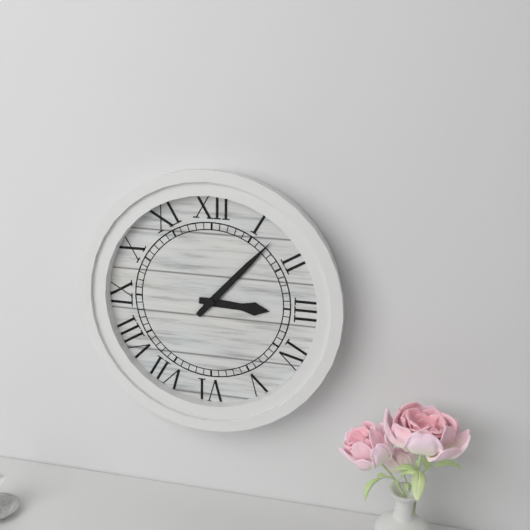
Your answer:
{"hour": 3, "minute": 7}
